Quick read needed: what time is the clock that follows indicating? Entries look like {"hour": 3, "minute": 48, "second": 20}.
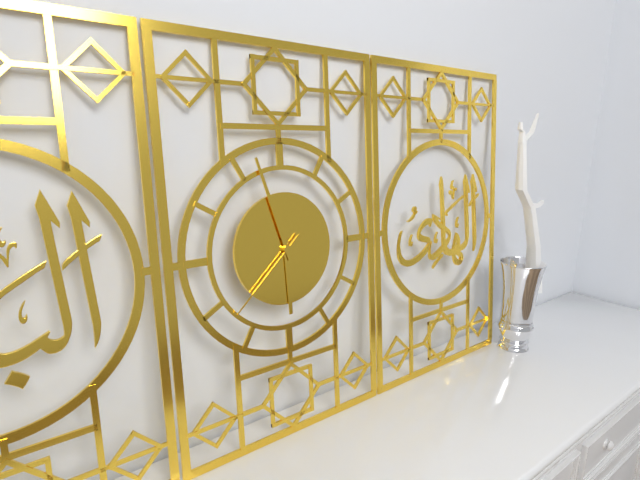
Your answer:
{"hour": 5, "minute": 57, "second": 38}
